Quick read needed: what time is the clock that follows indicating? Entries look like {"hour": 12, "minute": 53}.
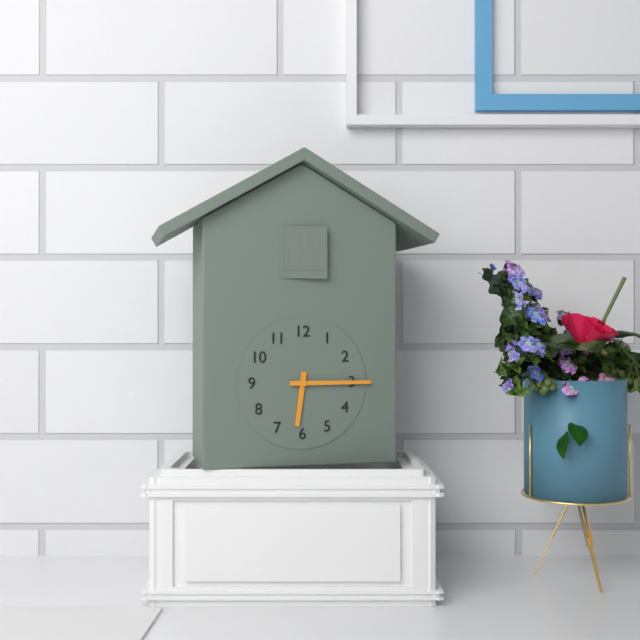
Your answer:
{"hour": 6, "minute": 15}
